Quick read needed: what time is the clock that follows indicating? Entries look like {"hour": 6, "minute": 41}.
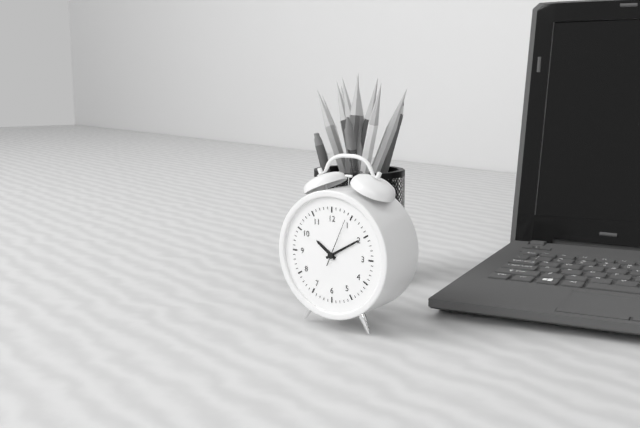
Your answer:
{"hour": 10, "minute": 10}
